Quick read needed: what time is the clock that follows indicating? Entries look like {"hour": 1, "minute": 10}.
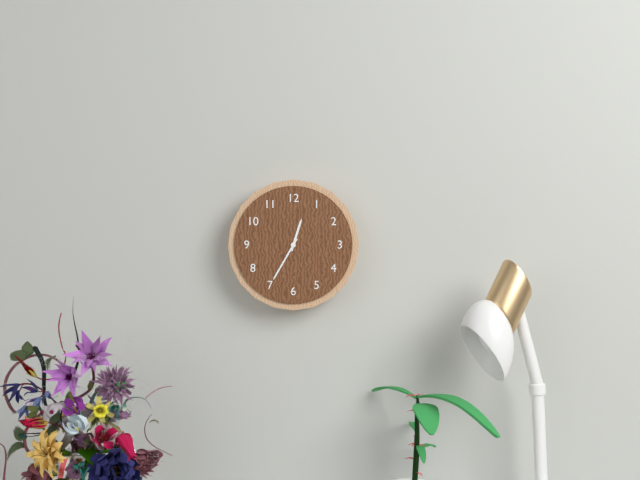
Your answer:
{"hour": 12, "minute": 35}
